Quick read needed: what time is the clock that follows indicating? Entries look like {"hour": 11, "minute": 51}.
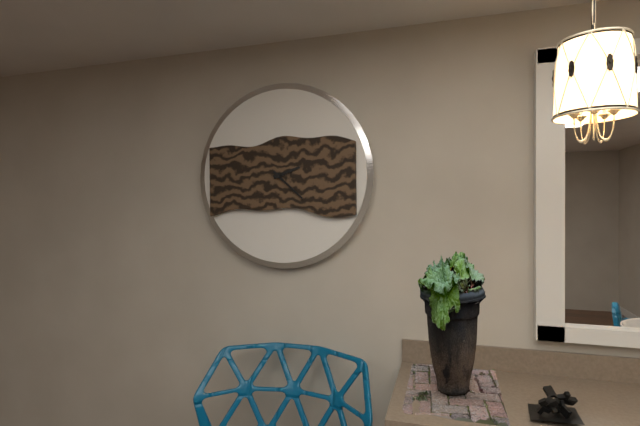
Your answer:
{"hour": 2, "minute": 22}
